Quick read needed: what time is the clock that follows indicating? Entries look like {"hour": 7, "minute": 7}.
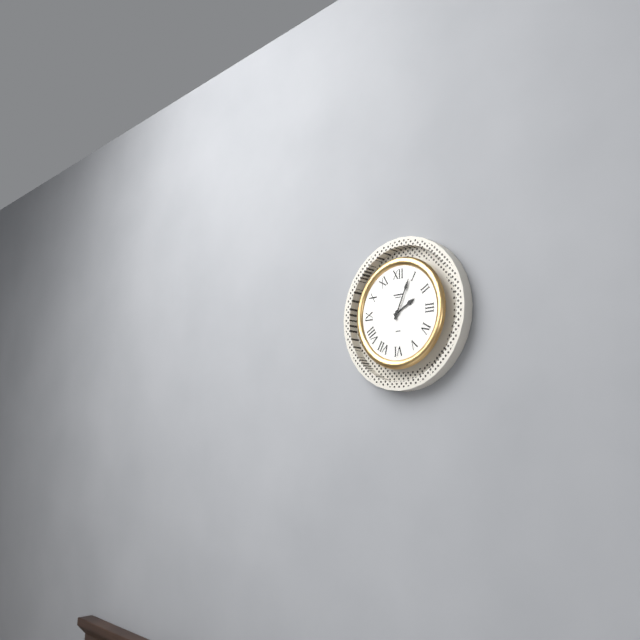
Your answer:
{"hour": 2, "minute": 4}
